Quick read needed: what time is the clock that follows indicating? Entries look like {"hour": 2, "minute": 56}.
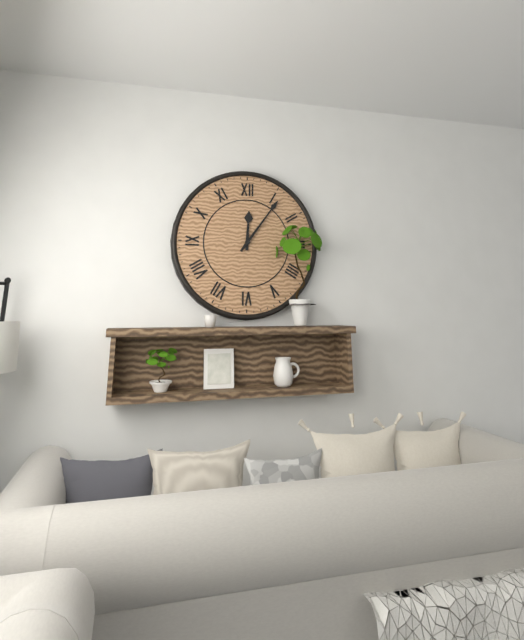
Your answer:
{"hour": 12, "minute": 6}
